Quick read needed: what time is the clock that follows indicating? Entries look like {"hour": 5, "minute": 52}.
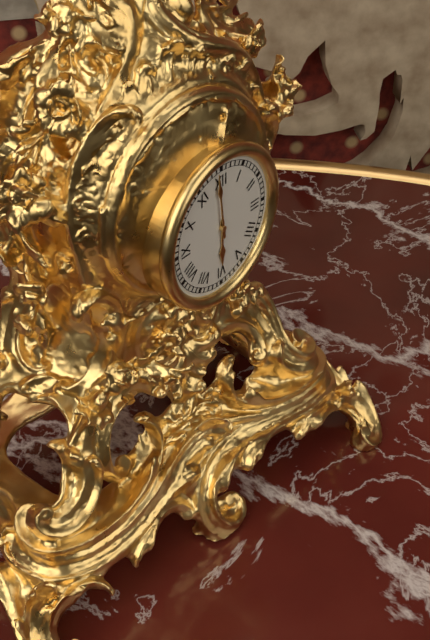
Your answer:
{"hour": 5, "minute": 59}
